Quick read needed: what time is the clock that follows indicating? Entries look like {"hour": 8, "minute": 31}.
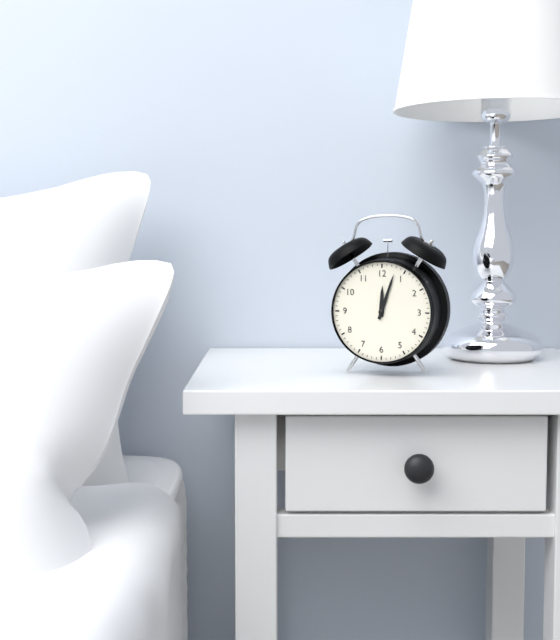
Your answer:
{"hour": 12, "minute": 3}
